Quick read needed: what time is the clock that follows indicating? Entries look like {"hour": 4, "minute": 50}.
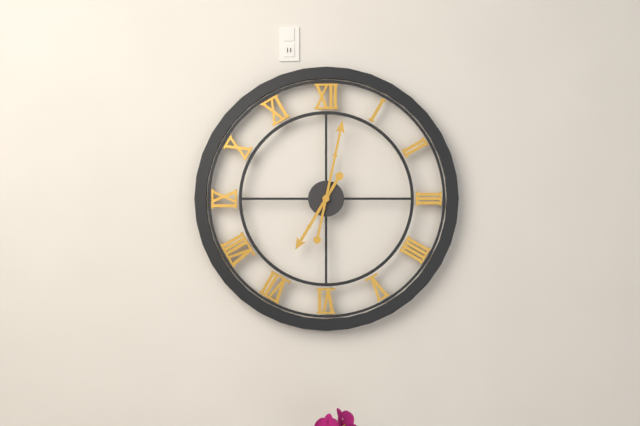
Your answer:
{"hour": 7, "minute": 2}
